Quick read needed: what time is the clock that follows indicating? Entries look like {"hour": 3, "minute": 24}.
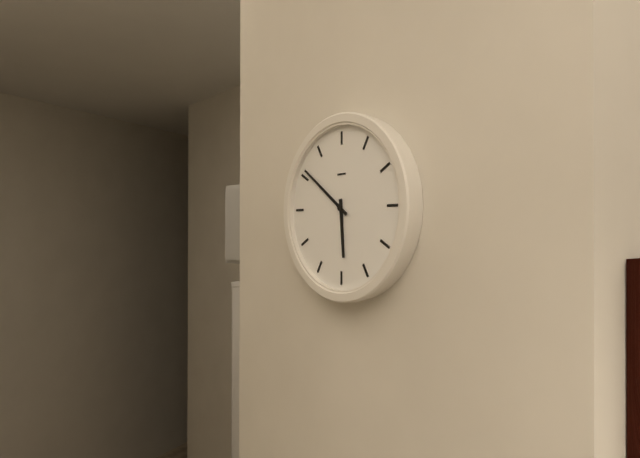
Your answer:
{"hour": 5, "minute": 51}
